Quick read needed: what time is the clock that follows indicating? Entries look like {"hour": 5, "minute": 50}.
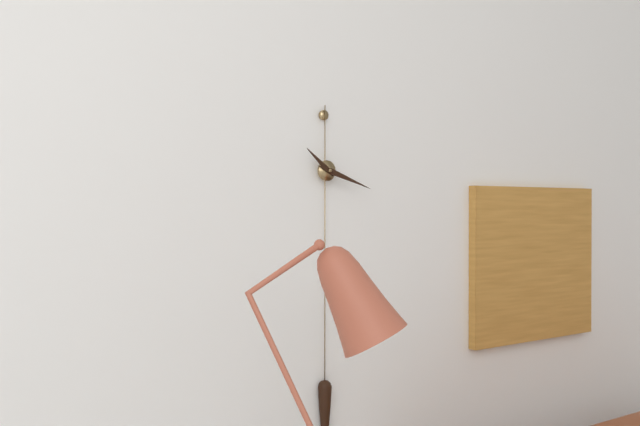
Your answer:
{"hour": 10, "minute": 18}
